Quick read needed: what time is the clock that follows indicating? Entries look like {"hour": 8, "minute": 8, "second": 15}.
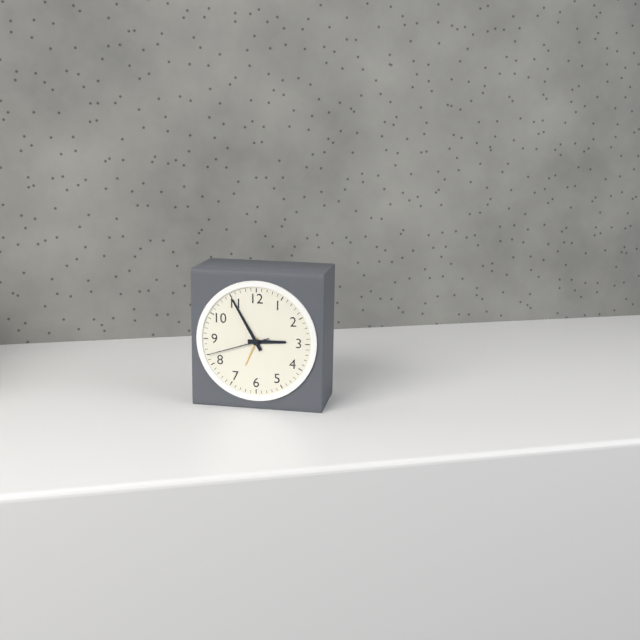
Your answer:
{"hour": 2, "minute": 55, "second": 42}
